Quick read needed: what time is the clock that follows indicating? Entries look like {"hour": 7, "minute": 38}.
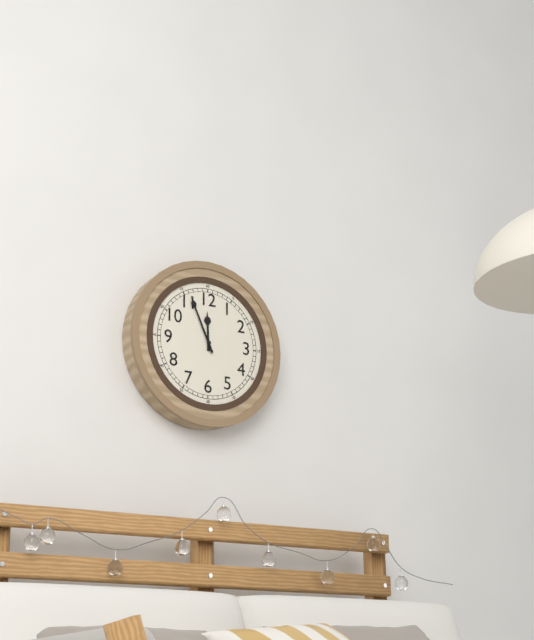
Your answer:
{"hour": 11, "minute": 56}
